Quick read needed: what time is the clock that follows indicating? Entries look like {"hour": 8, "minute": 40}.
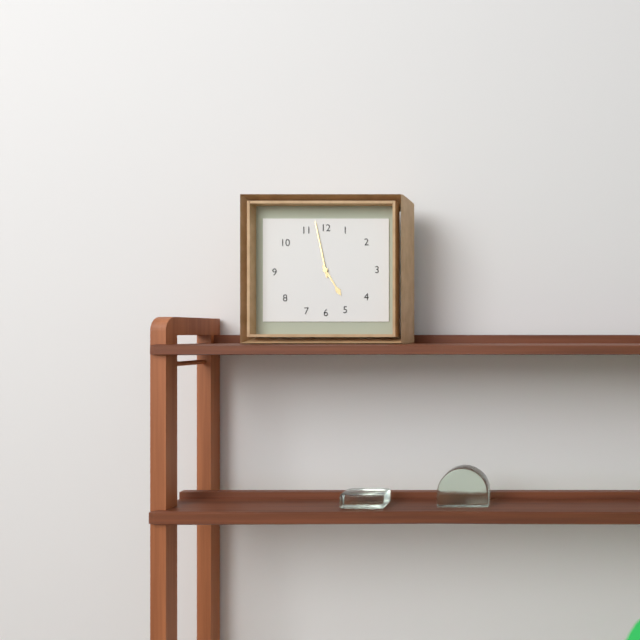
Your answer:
{"hour": 4, "minute": 58}
